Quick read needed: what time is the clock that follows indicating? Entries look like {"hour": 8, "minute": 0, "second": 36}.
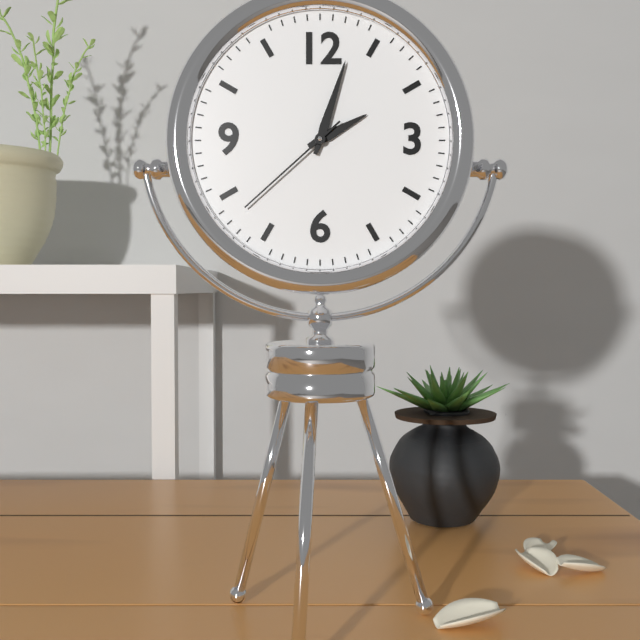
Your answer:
{"hour": 2, "minute": 3, "second": 38}
